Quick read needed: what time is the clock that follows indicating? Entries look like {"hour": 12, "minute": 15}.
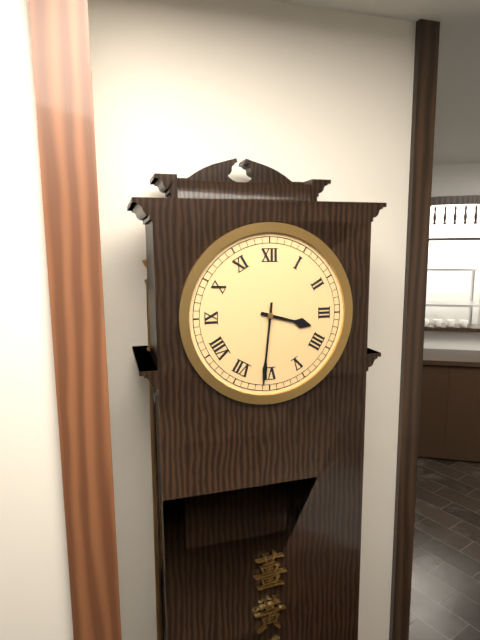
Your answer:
{"hour": 3, "minute": 31}
